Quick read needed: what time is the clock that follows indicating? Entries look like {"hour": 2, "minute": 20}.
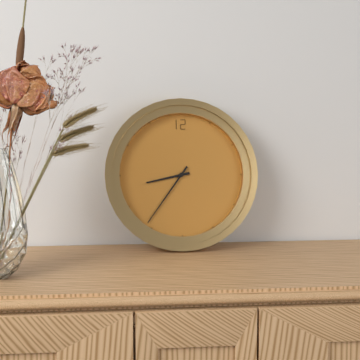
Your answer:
{"hour": 8, "minute": 36}
